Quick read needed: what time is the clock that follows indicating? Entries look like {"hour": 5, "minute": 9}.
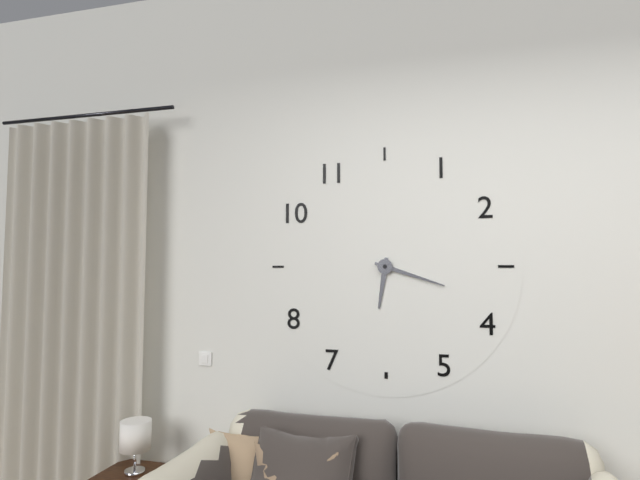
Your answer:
{"hour": 6, "minute": 18}
